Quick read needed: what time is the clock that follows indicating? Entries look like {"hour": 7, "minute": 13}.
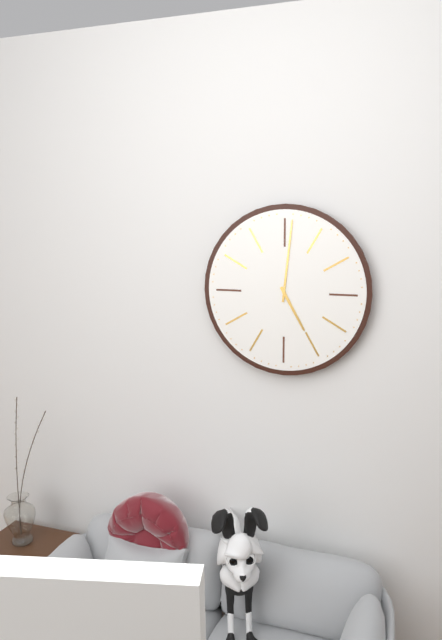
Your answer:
{"hour": 5, "minute": 1}
